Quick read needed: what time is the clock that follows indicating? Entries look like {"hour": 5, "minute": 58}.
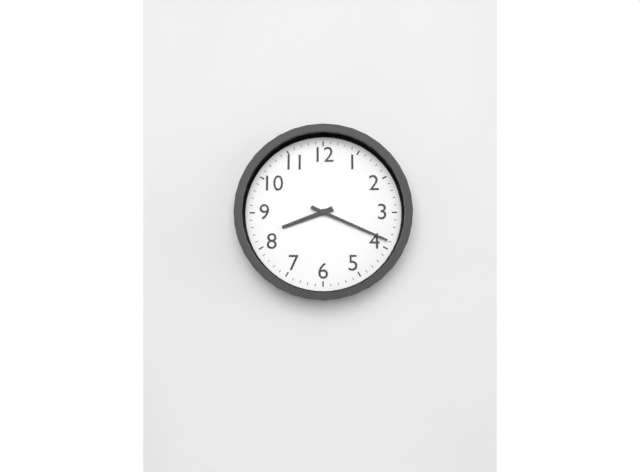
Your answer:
{"hour": 8, "minute": 19}
